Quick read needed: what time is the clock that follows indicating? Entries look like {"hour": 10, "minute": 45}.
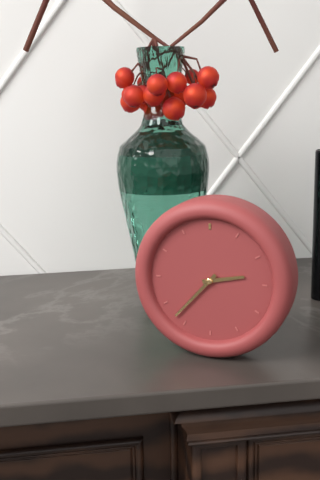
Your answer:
{"hour": 2, "minute": 37}
